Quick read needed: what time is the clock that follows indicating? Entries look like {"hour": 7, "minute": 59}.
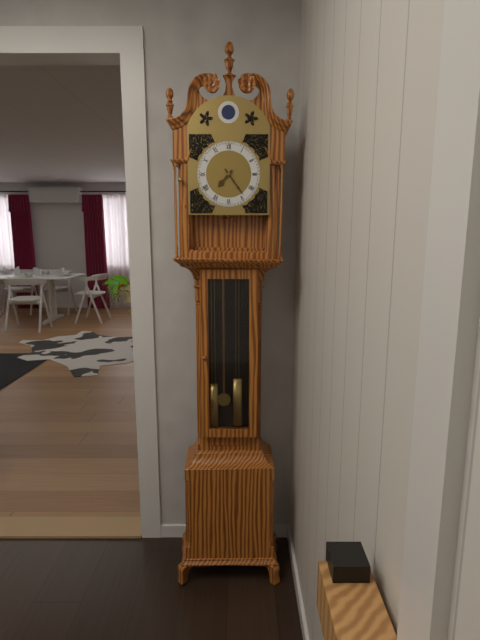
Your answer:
{"hour": 7, "minute": 24}
